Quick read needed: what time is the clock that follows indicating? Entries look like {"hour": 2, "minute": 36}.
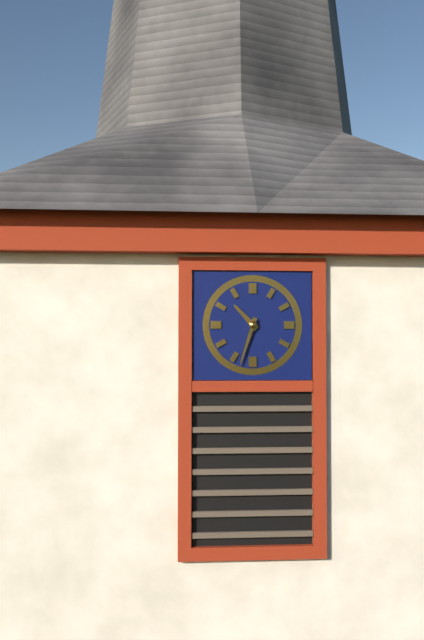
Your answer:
{"hour": 10, "minute": 33}
